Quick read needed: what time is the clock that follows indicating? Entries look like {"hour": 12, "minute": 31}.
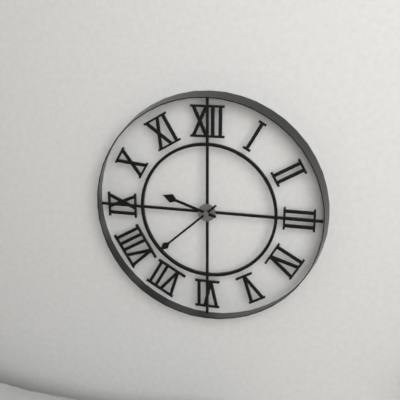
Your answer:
{"hour": 9, "minute": 38}
